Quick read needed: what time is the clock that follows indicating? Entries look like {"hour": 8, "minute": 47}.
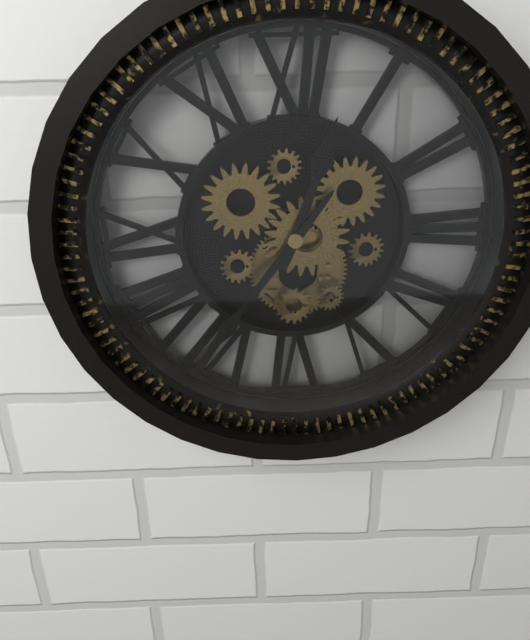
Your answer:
{"hour": 12, "minute": 36}
